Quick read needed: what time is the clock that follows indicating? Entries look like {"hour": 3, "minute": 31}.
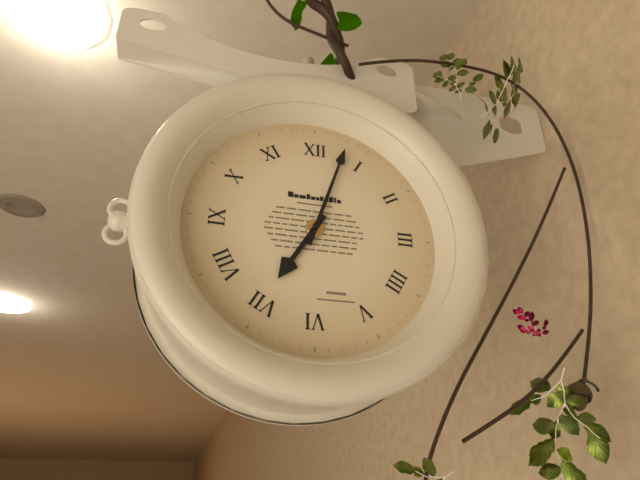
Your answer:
{"hour": 7, "minute": 3}
